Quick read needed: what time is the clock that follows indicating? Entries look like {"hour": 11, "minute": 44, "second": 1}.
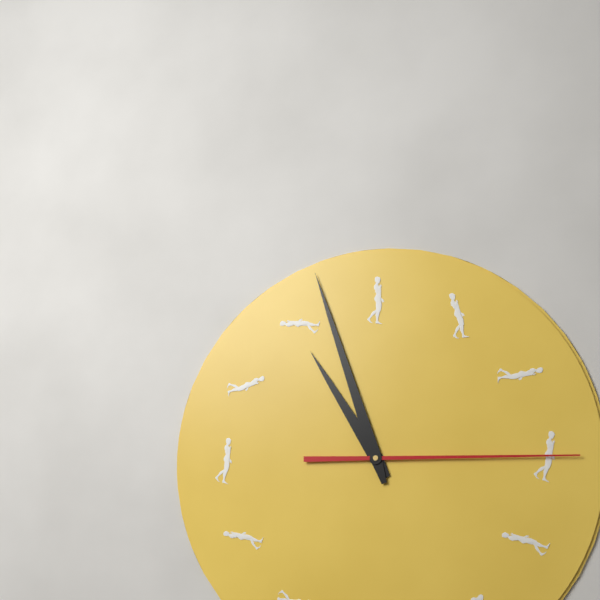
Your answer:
{"hour": 10, "minute": 57, "second": 15}
